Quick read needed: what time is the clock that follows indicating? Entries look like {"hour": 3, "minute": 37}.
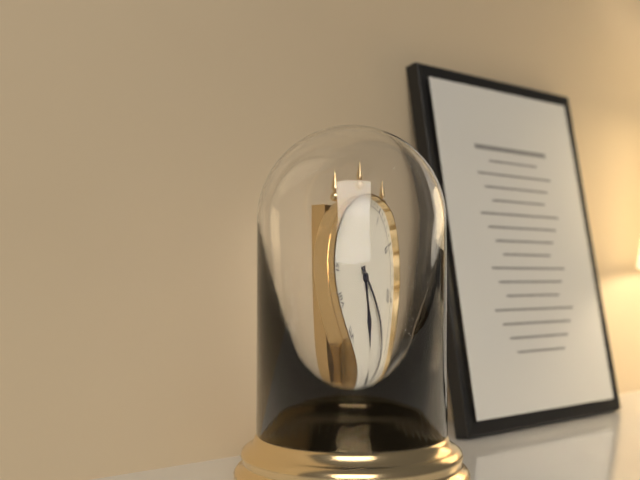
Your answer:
{"hour": 5, "minute": 20}
